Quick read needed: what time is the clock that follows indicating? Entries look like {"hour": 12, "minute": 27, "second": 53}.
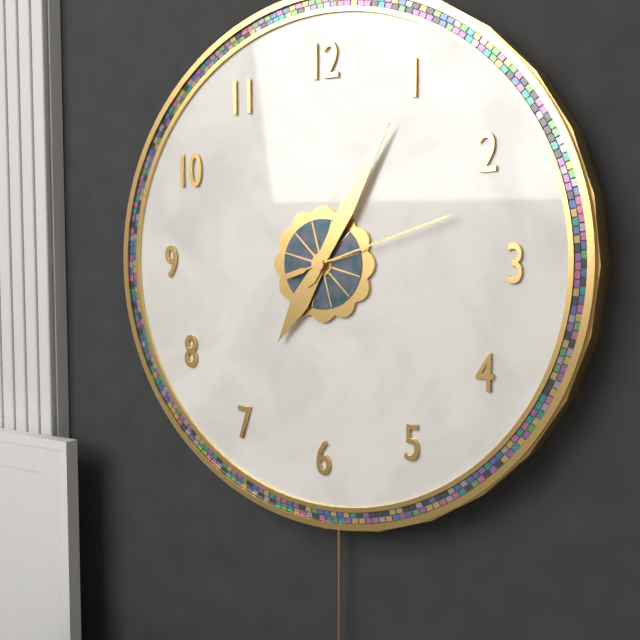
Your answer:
{"hour": 7, "minute": 5, "second": 12}
